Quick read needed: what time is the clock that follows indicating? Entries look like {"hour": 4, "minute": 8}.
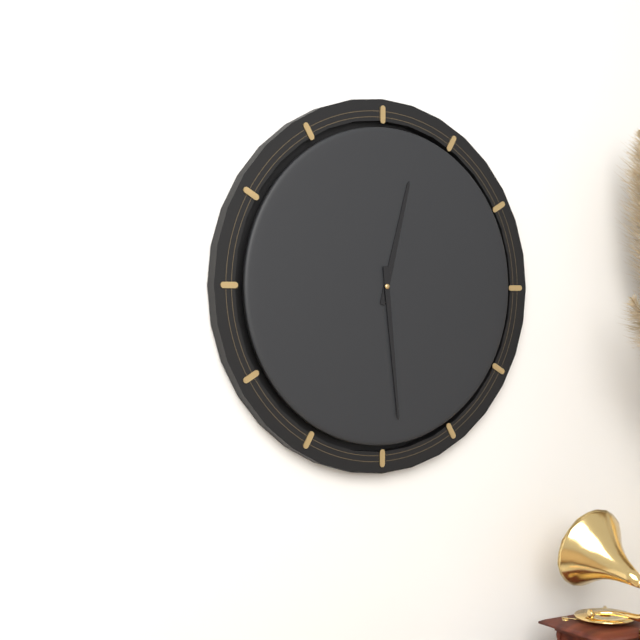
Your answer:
{"hour": 12, "minute": 29}
